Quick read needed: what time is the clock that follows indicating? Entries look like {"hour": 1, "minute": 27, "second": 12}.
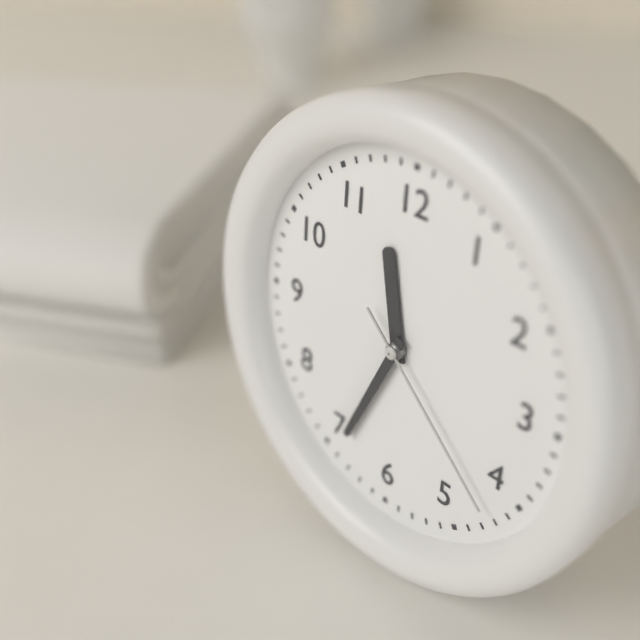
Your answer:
{"hour": 11, "minute": 34, "second": 22}
